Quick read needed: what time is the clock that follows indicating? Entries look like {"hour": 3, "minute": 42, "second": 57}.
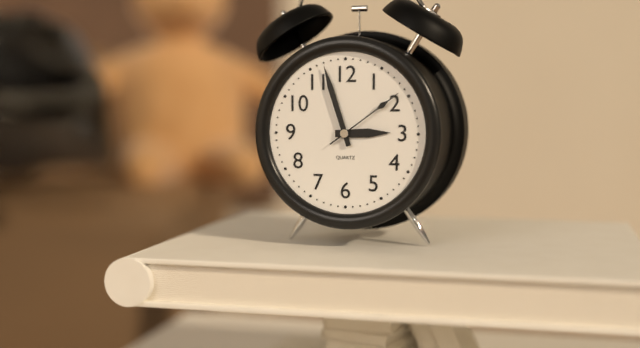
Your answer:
{"hour": 2, "minute": 57, "second": 9}
